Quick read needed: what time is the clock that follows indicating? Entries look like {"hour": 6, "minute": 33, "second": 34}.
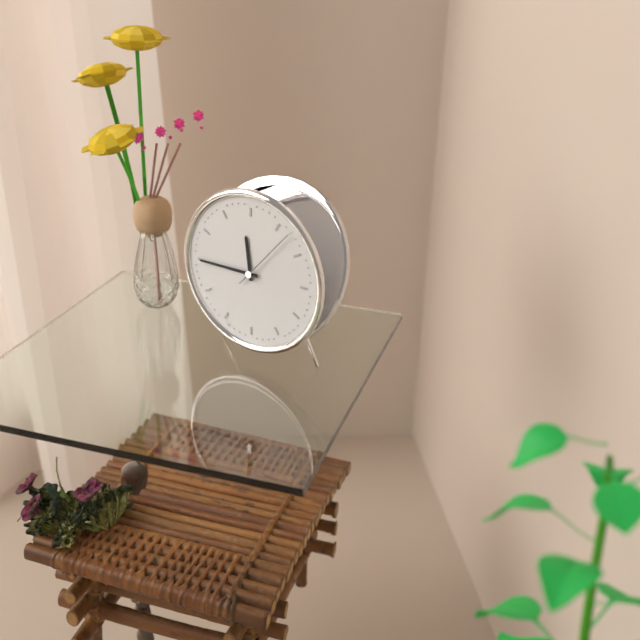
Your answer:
{"hour": 11, "minute": 45, "second": 7}
